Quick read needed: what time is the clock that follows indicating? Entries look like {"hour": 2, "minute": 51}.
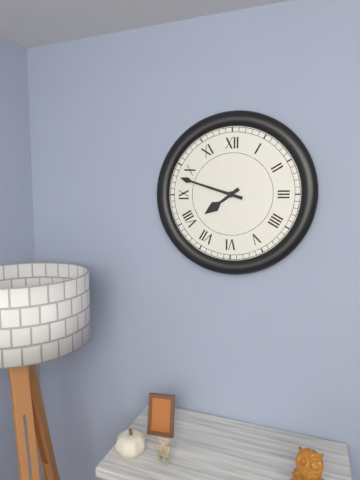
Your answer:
{"hour": 7, "minute": 48}
